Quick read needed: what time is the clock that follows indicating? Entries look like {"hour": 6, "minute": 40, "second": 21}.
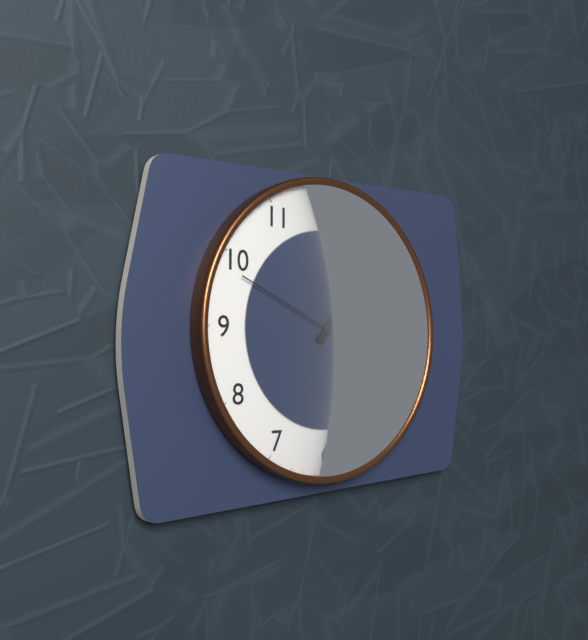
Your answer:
{"hour": 1, "minute": 8, "second": 49}
